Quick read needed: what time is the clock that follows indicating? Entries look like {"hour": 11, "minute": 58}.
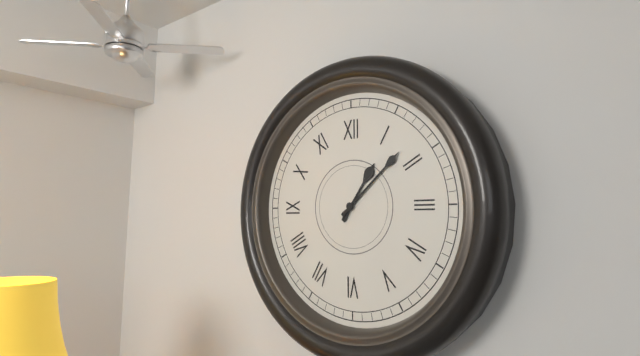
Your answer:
{"hour": 1, "minute": 8}
